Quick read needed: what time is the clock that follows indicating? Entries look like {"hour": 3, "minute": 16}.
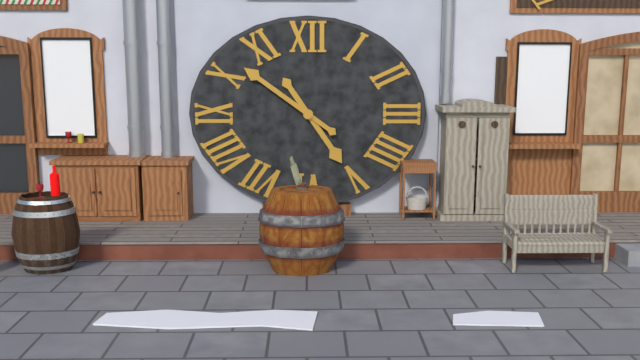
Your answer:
{"hour": 4, "minute": 51}
